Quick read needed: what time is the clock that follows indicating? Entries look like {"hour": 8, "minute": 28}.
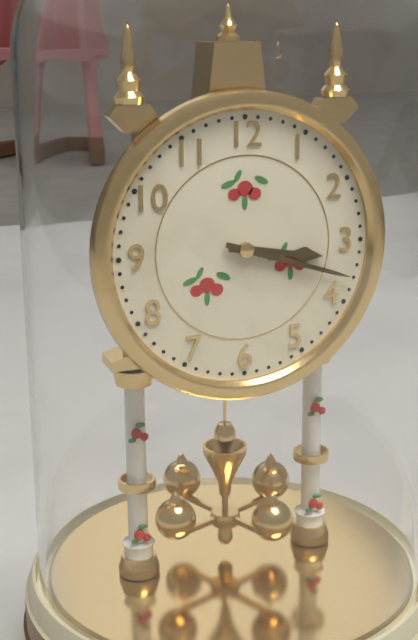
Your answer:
{"hour": 3, "minute": 18}
